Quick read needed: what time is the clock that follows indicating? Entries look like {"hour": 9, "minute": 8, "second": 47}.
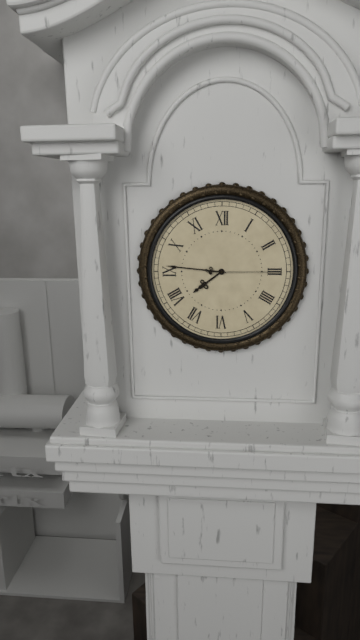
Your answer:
{"hour": 7, "minute": 46, "second": 15}
